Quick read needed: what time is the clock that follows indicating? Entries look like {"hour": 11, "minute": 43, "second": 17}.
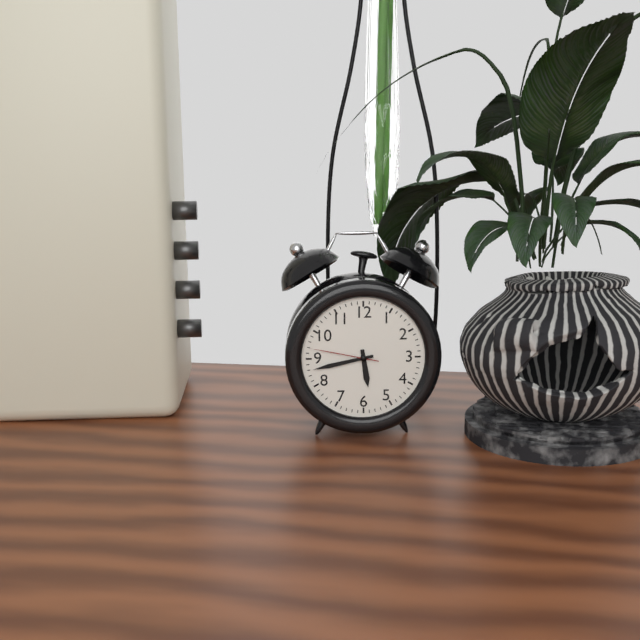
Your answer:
{"hour": 5, "minute": 43, "second": 47}
